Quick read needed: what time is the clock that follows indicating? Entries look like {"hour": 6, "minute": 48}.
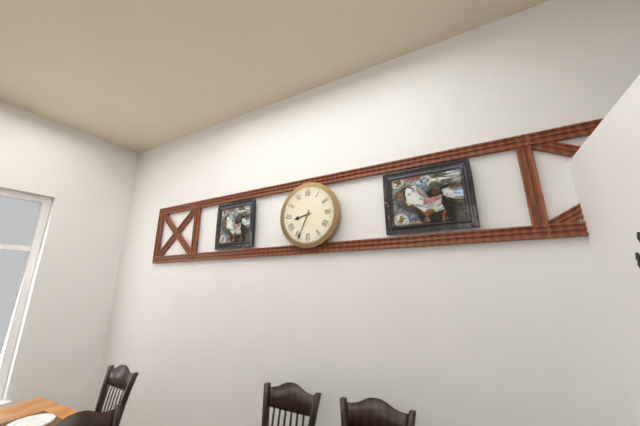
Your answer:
{"hour": 8, "minute": 34}
